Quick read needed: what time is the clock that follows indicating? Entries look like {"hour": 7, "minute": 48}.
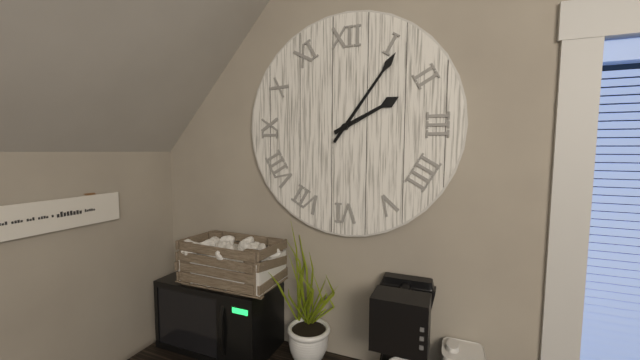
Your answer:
{"hour": 2, "minute": 6}
